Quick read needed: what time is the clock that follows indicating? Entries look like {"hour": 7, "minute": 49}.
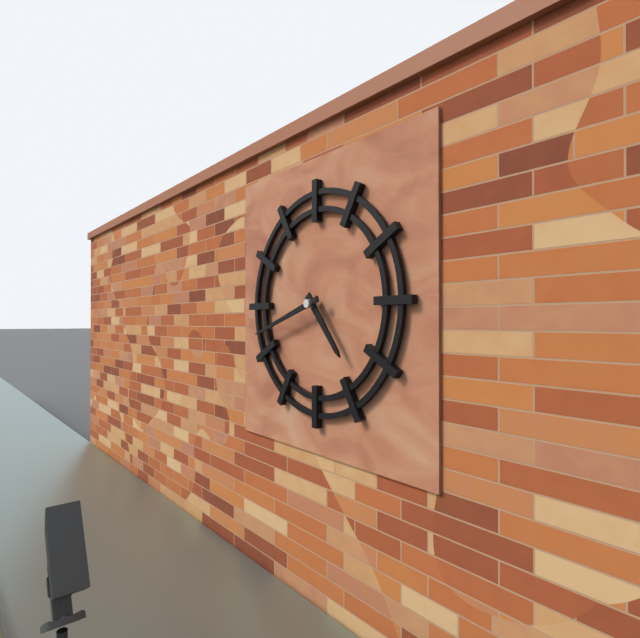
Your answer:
{"hour": 4, "minute": 42}
